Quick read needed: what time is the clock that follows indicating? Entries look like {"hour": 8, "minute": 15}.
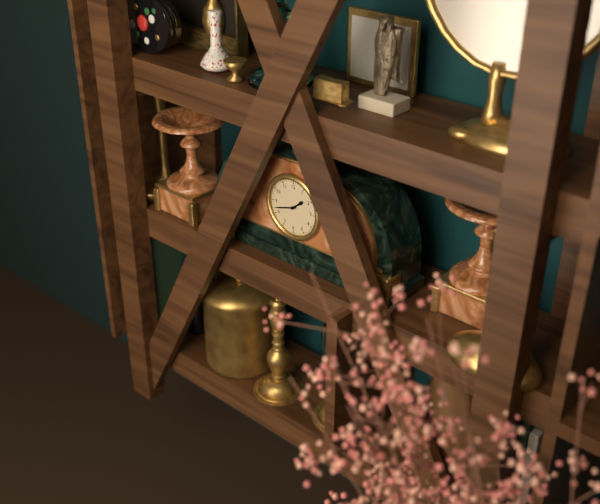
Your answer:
{"hour": 1, "minute": 42}
